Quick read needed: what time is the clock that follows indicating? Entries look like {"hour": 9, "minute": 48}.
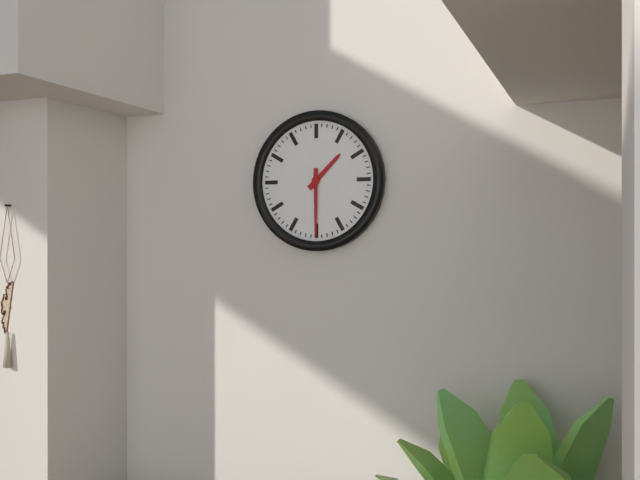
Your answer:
{"hour": 1, "minute": 30}
